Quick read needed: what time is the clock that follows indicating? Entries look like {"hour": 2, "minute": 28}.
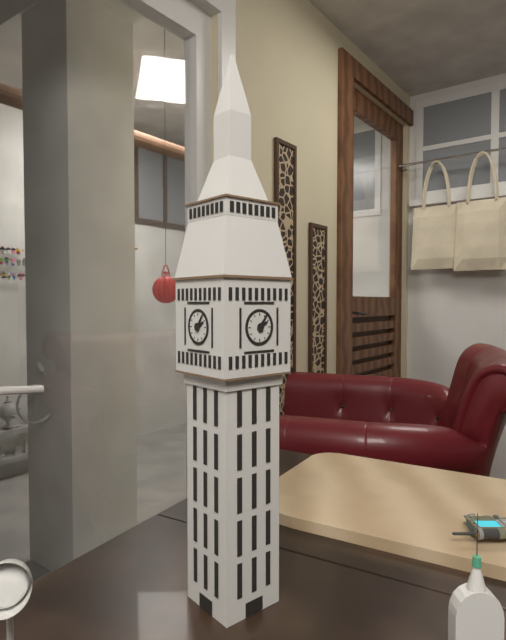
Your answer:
{"hour": 2, "minute": 6}
